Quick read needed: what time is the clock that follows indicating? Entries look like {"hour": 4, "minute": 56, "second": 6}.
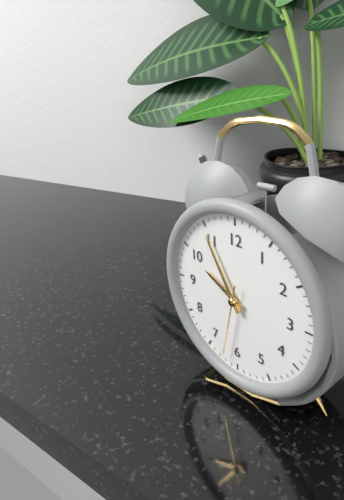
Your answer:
{"hour": 9, "minute": 55, "second": 32}
